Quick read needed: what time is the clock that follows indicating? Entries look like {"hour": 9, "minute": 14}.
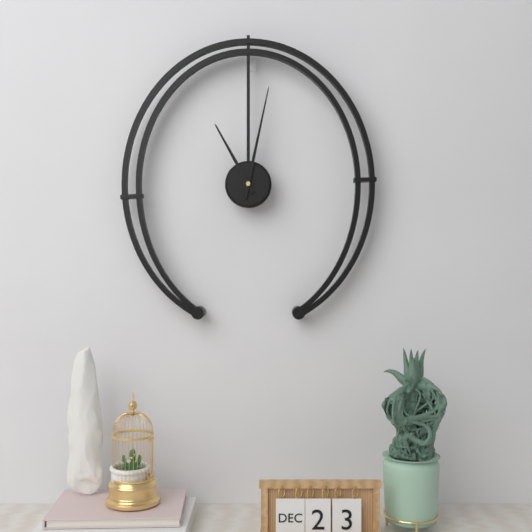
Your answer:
{"hour": 11, "minute": 2}
